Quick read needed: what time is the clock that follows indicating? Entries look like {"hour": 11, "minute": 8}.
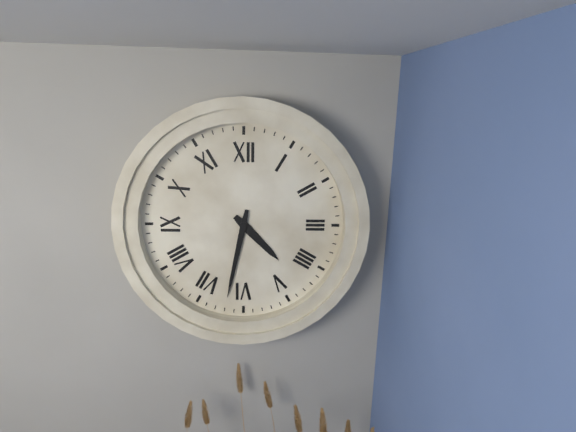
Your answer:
{"hour": 4, "minute": 32}
